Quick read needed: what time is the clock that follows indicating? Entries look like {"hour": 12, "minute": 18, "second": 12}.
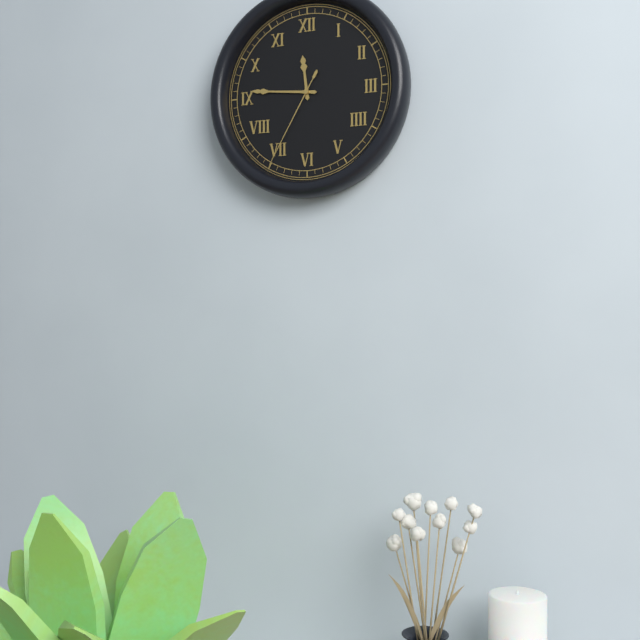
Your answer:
{"hour": 11, "minute": 46, "second": 35}
